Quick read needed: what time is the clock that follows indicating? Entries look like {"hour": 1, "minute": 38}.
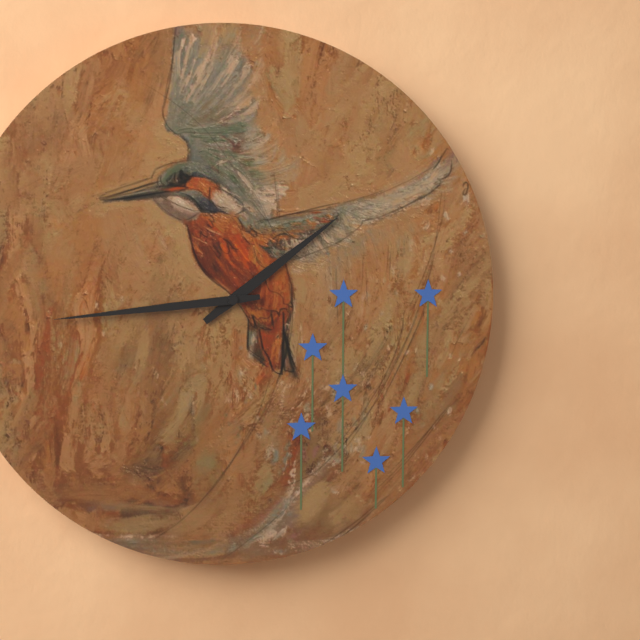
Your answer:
{"hour": 1, "minute": 44}
